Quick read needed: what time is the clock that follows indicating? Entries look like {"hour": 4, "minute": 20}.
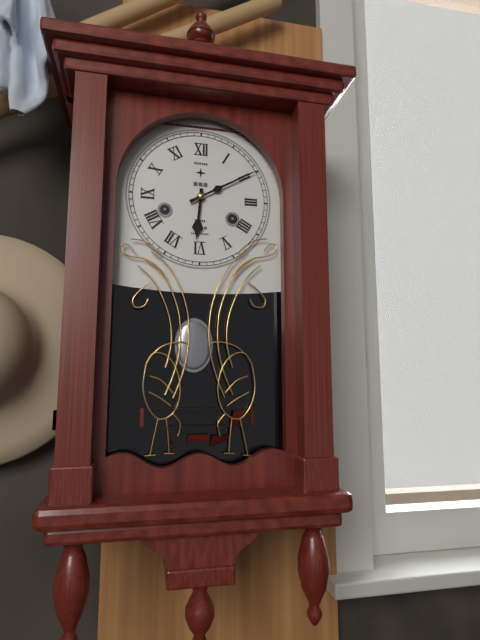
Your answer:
{"hour": 6, "minute": 10}
